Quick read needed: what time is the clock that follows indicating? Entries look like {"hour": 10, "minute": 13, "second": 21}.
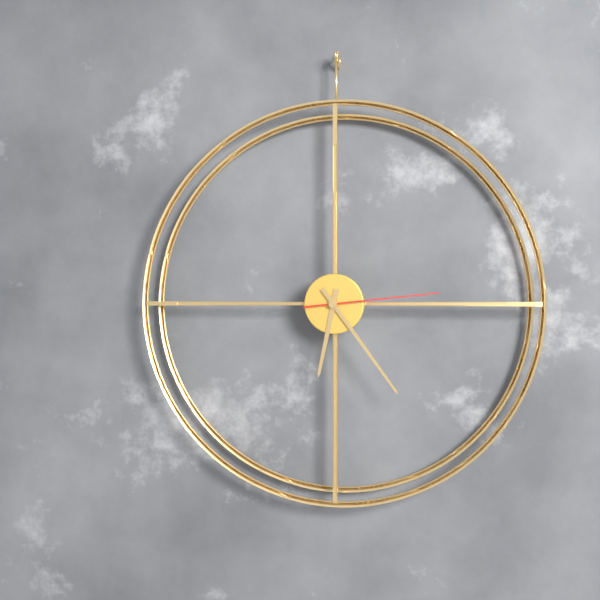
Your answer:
{"hour": 6, "minute": 24, "second": 14}
